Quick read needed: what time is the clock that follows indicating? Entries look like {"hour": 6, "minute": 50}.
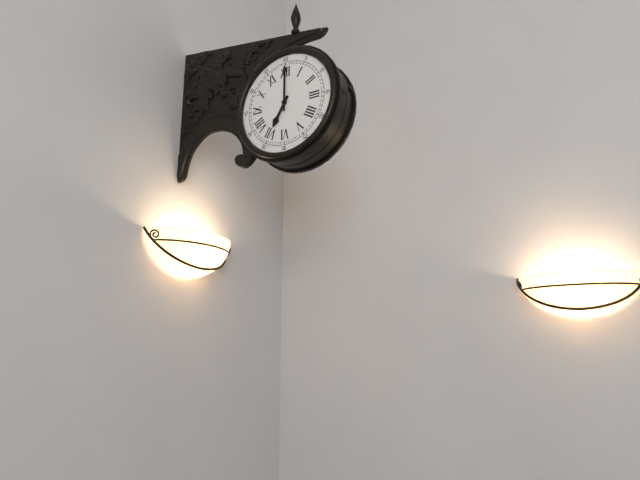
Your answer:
{"hour": 7, "minute": 0}
